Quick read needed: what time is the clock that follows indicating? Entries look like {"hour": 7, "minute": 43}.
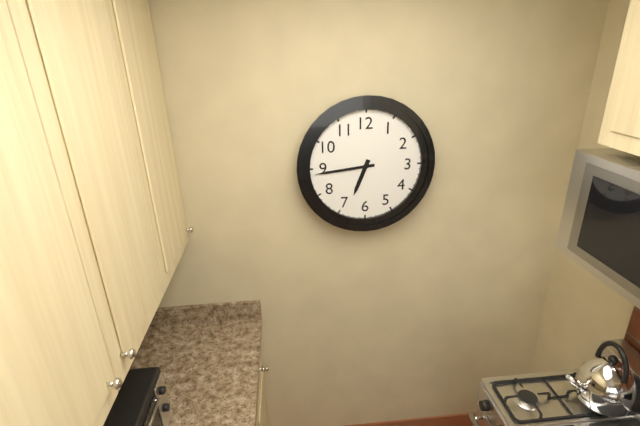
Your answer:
{"hour": 6, "minute": 44}
